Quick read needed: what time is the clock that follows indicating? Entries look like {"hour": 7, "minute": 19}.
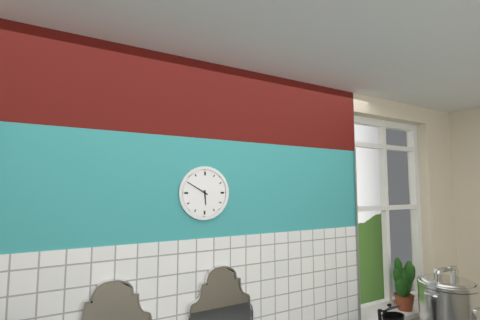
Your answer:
{"hour": 5, "minute": 50}
